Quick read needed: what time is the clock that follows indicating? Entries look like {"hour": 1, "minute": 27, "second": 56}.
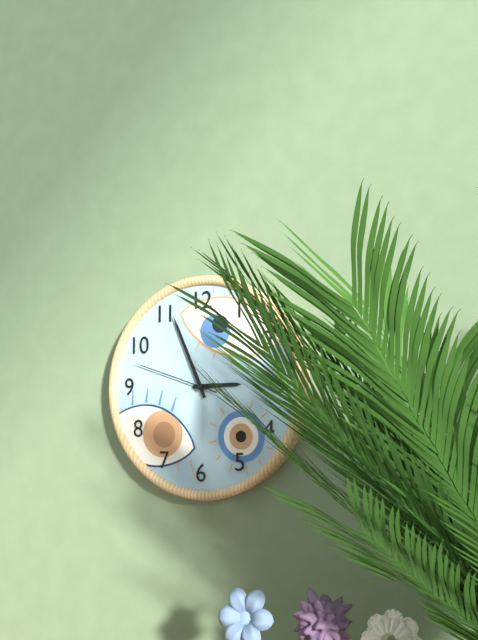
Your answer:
{"hour": 2, "minute": 56, "second": 48}
